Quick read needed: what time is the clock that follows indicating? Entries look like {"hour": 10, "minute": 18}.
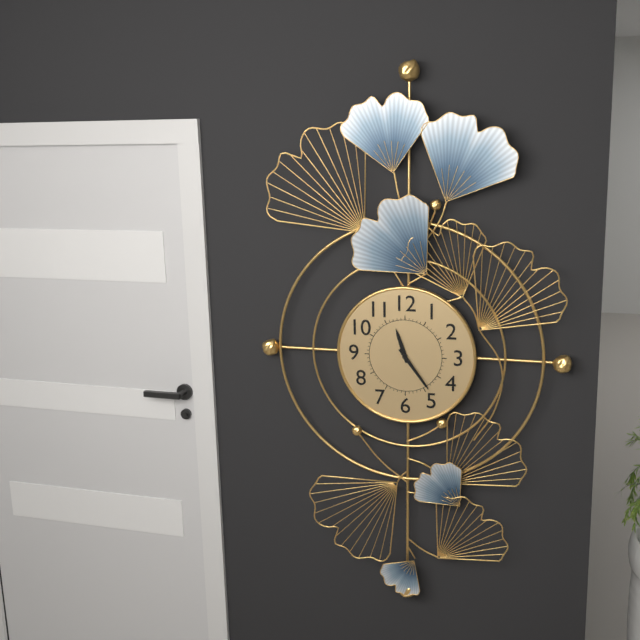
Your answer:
{"hour": 11, "minute": 24}
